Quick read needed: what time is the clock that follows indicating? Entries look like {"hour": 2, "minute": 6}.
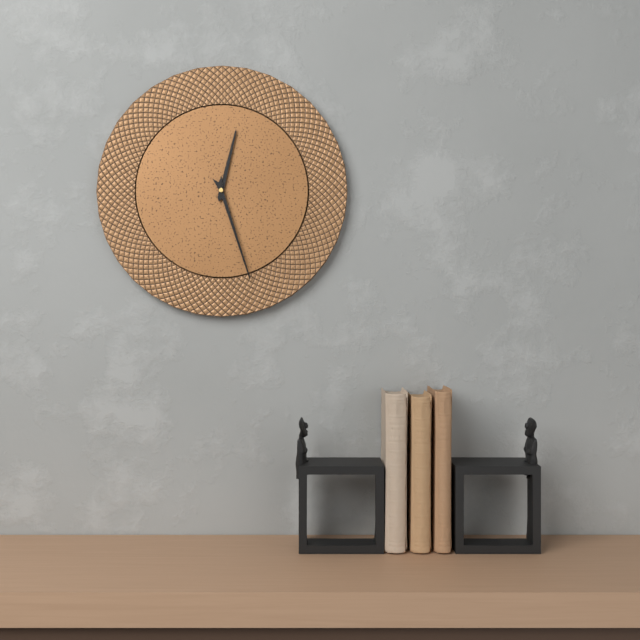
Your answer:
{"hour": 12, "minute": 27}
